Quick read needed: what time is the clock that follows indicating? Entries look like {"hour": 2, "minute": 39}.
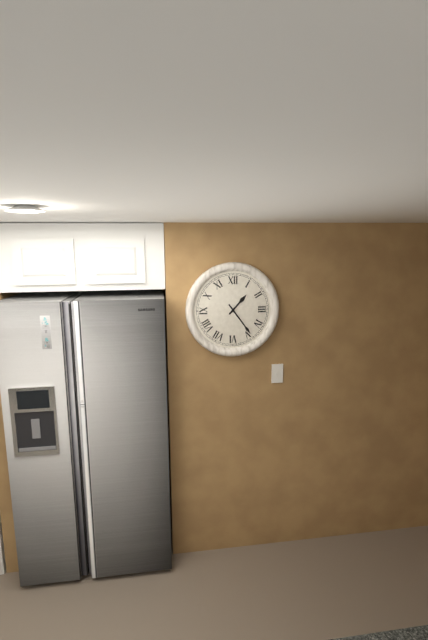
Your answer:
{"hour": 1, "minute": 24}
